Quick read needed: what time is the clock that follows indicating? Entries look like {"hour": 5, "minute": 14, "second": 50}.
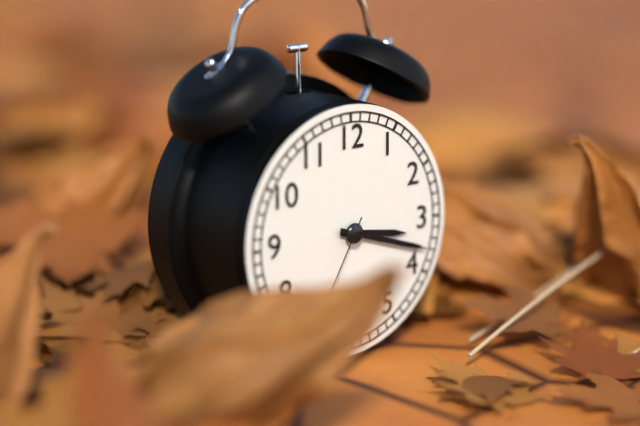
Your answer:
{"hour": 3, "minute": 18, "second": 35}
